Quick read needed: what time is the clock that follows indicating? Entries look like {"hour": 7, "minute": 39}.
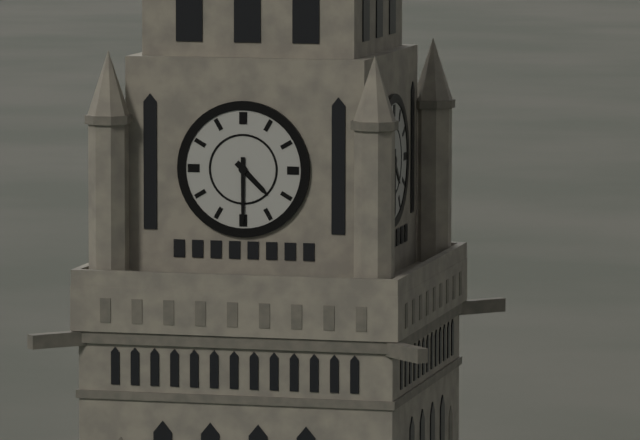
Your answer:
{"hour": 4, "minute": 30}
